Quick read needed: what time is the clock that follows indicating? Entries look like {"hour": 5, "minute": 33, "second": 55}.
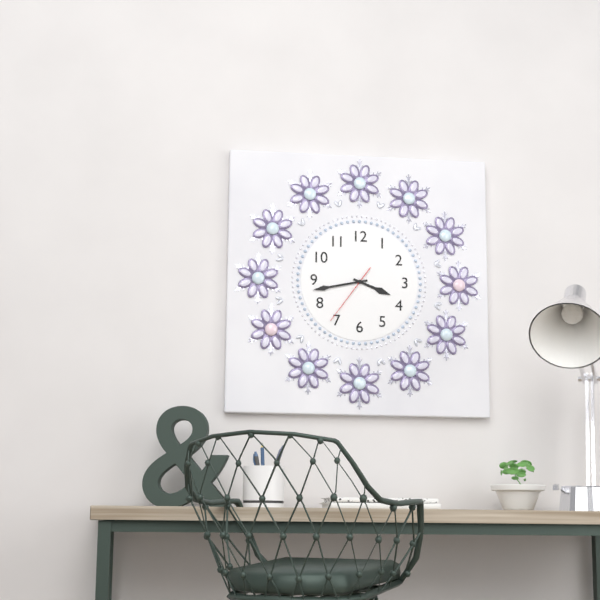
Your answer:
{"hour": 3, "minute": 43, "second": 36}
